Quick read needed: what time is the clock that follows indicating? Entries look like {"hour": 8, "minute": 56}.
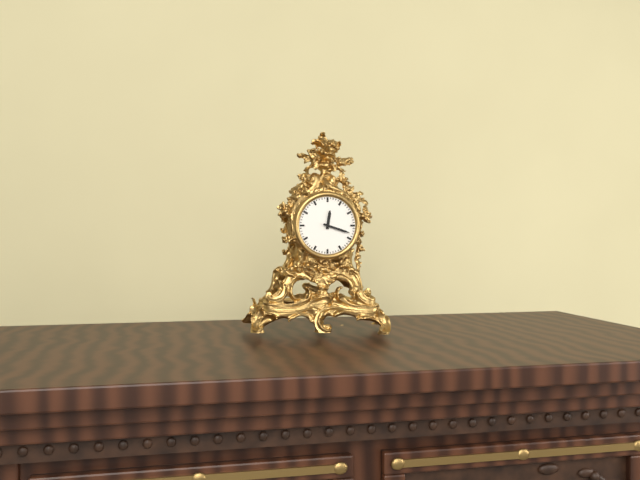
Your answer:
{"hour": 12, "minute": 18}
